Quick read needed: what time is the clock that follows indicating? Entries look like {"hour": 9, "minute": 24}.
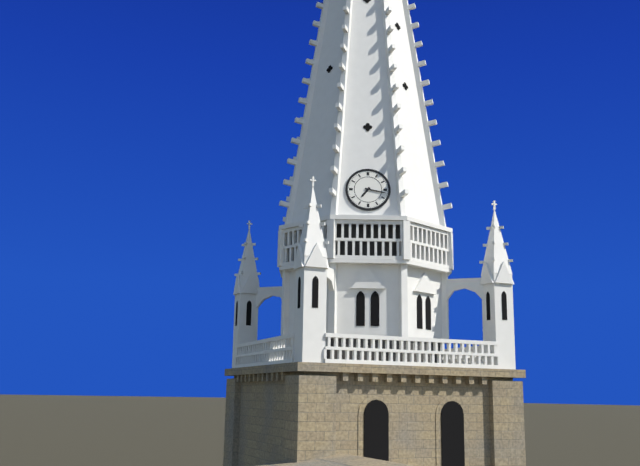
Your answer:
{"hour": 7, "minute": 17}
